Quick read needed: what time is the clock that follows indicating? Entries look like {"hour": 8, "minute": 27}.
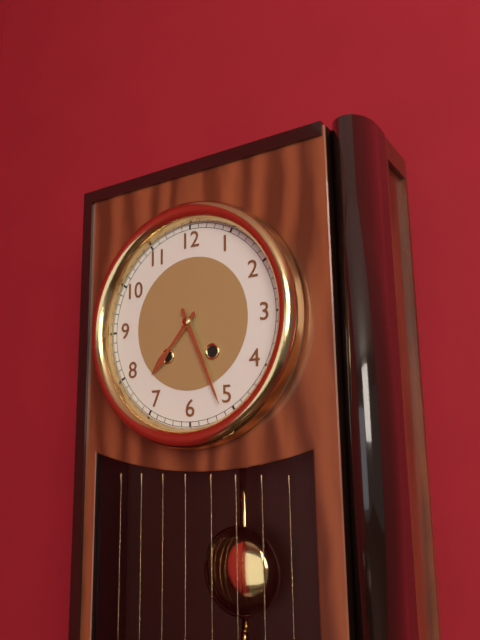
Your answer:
{"hour": 7, "minute": 26}
